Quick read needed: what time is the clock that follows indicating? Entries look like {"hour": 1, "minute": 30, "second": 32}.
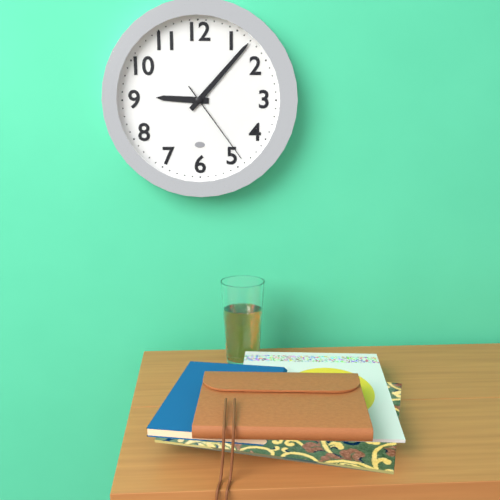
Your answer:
{"hour": 9, "minute": 7, "second": 24}
